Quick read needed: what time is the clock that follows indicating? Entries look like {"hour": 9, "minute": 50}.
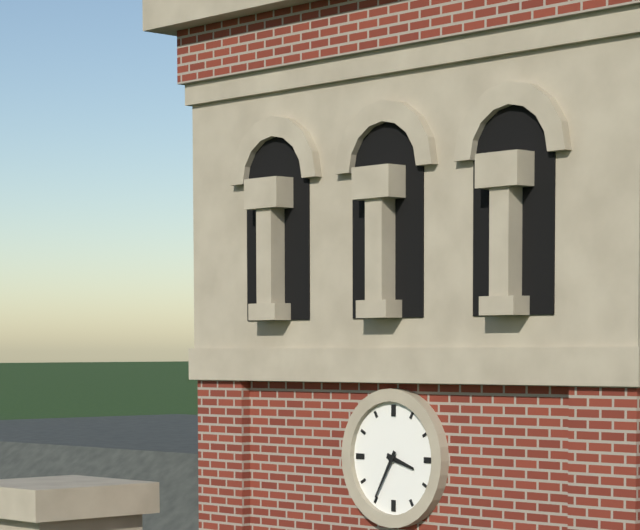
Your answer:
{"hour": 3, "minute": 35}
